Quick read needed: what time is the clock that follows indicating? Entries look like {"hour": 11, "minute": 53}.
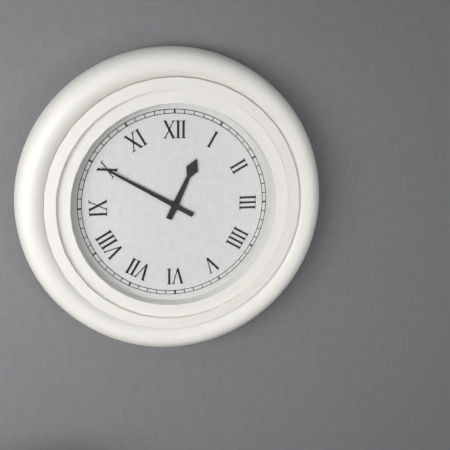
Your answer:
{"hour": 12, "minute": 50}
